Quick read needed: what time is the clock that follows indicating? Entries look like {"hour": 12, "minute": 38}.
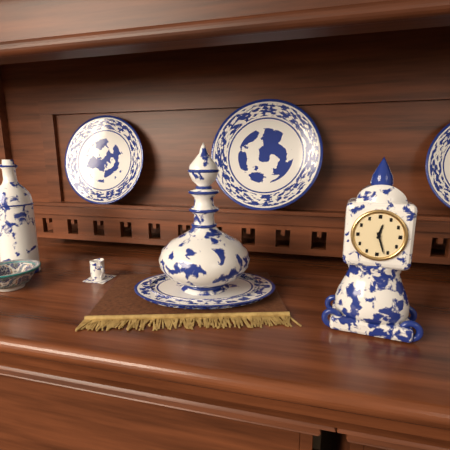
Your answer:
{"hour": 12, "minute": 27}
